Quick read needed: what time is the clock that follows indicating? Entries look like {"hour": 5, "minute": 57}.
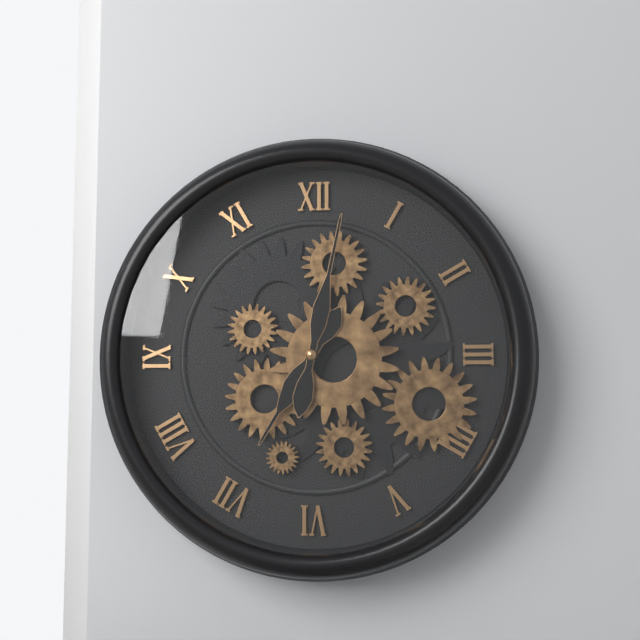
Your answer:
{"hour": 7, "minute": 2}
